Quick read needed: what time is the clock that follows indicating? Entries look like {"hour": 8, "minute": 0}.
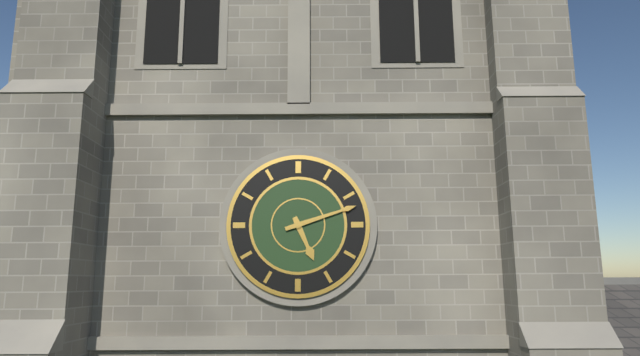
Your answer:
{"hour": 5, "minute": 12}
